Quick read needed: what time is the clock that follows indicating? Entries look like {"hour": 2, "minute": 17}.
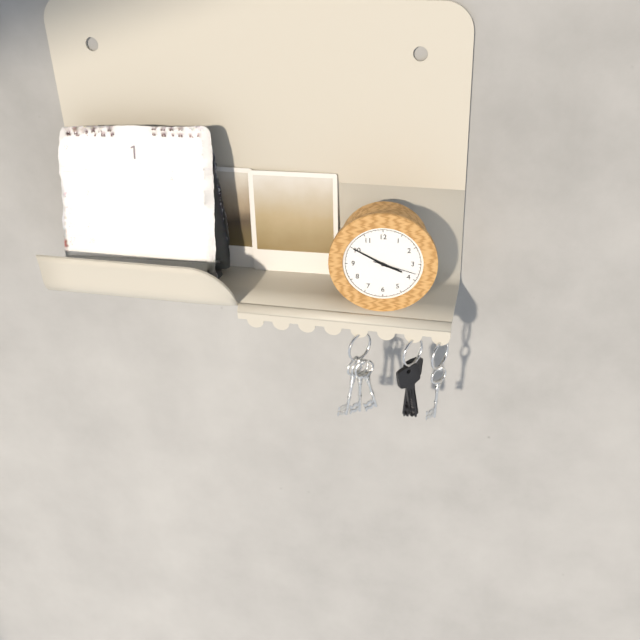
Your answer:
{"hour": 3, "minute": 50}
